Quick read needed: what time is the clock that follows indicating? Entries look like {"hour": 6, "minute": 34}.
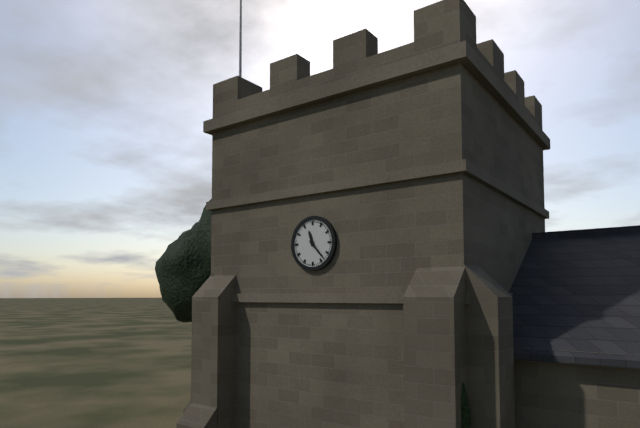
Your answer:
{"hour": 11, "minute": 23}
